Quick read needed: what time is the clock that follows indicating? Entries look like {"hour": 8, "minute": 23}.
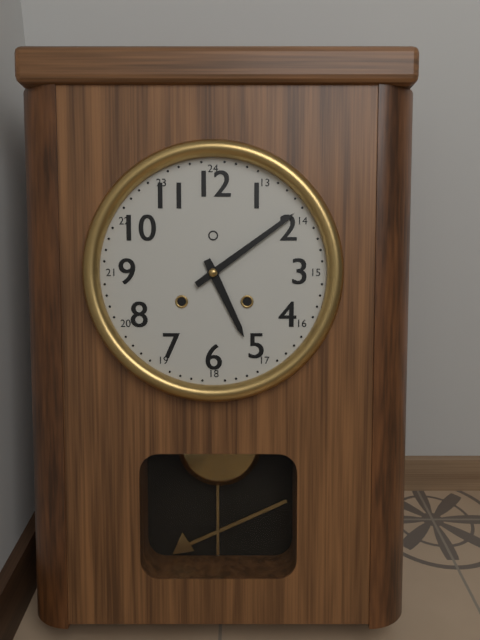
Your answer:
{"hour": 5, "minute": 9}
